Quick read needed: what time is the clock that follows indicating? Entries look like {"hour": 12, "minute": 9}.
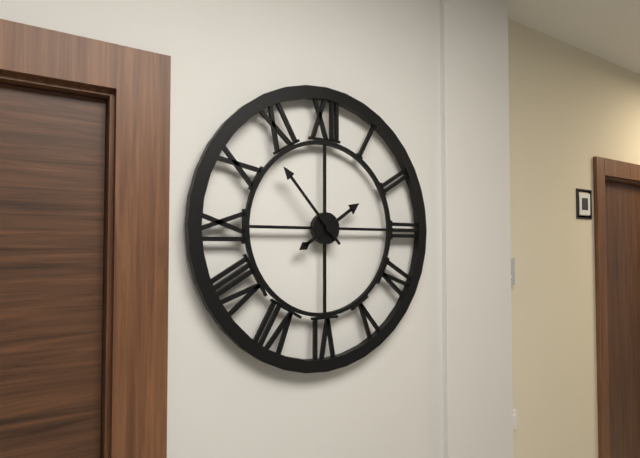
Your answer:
{"hour": 1, "minute": 53}
